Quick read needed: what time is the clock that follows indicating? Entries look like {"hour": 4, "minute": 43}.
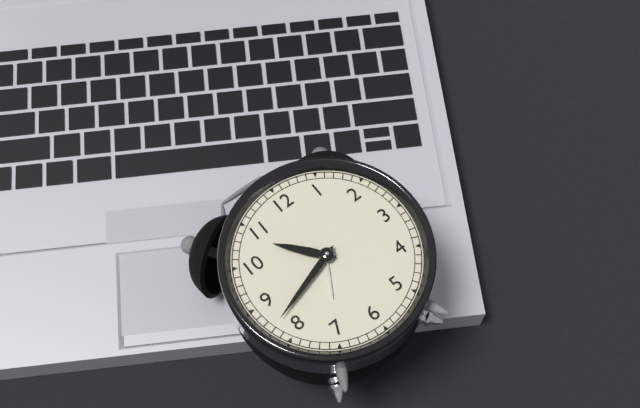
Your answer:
{"hour": 10, "minute": 42}
